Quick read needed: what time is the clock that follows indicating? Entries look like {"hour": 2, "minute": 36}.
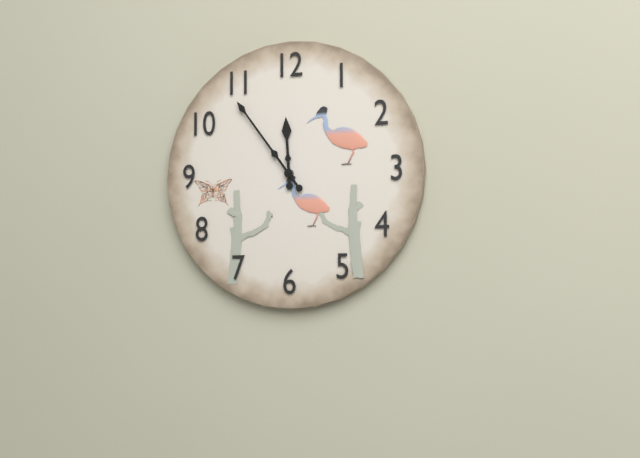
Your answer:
{"hour": 11, "minute": 54}
